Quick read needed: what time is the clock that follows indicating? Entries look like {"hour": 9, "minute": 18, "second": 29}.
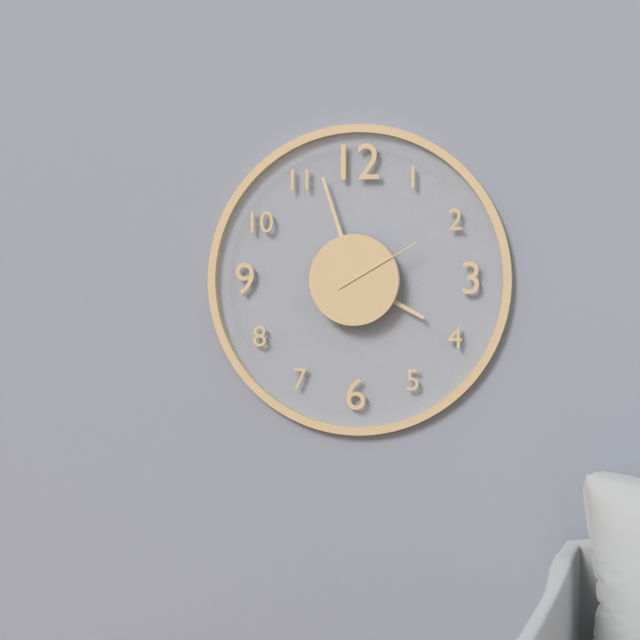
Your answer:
{"hour": 3, "minute": 57, "second": 10}
